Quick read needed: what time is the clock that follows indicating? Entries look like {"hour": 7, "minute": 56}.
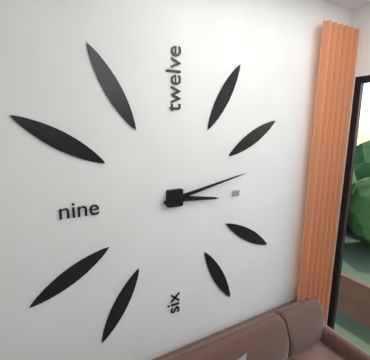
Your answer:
{"hour": 3, "minute": 13}
